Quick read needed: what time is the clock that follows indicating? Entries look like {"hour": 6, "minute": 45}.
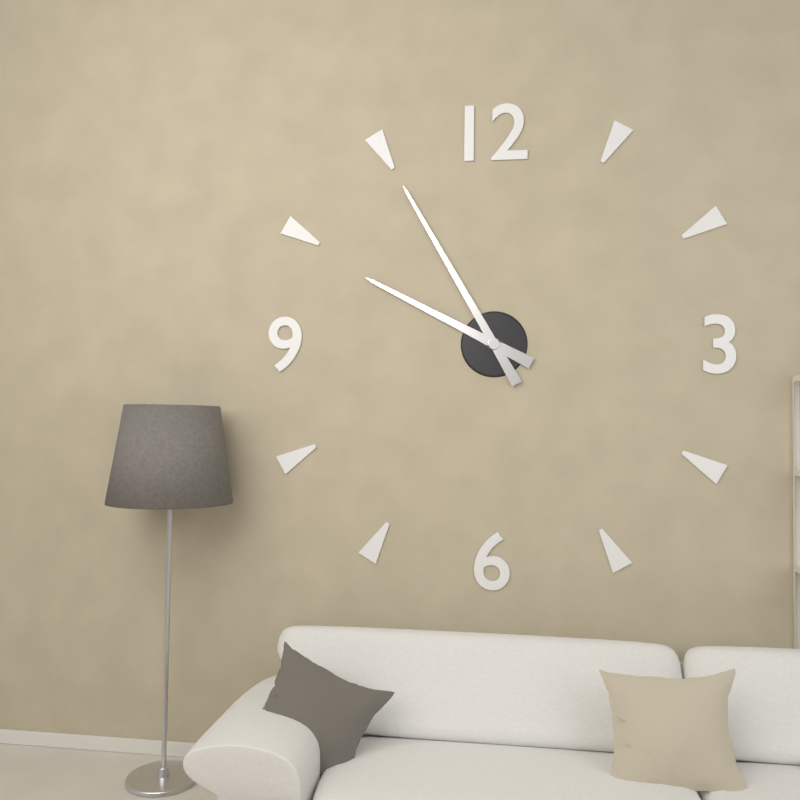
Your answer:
{"hour": 9, "minute": 55}
